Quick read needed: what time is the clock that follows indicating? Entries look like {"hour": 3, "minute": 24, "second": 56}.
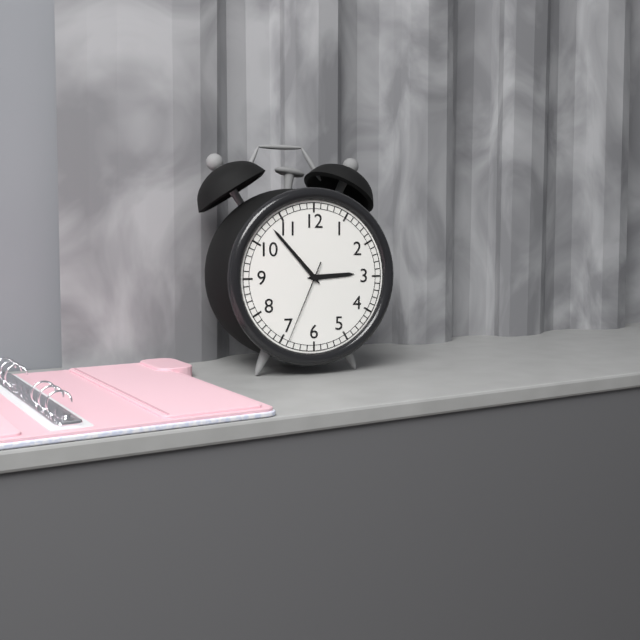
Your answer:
{"hour": 2, "minute": 53, "second": 34}
